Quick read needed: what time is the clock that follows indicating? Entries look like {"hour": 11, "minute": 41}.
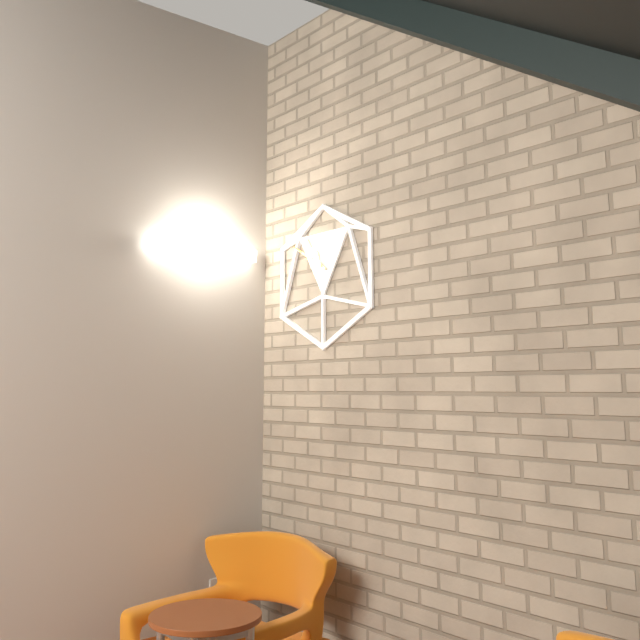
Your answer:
{"hour": 10, "minute": 50}
